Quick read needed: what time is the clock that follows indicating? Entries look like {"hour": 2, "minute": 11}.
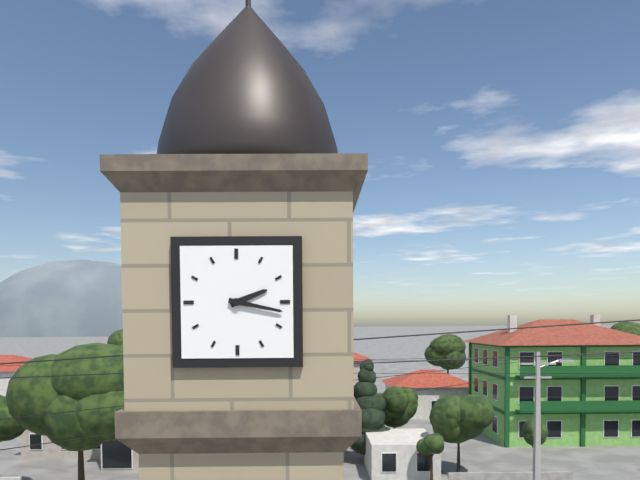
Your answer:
{"hour": 2, "minute": 17}
